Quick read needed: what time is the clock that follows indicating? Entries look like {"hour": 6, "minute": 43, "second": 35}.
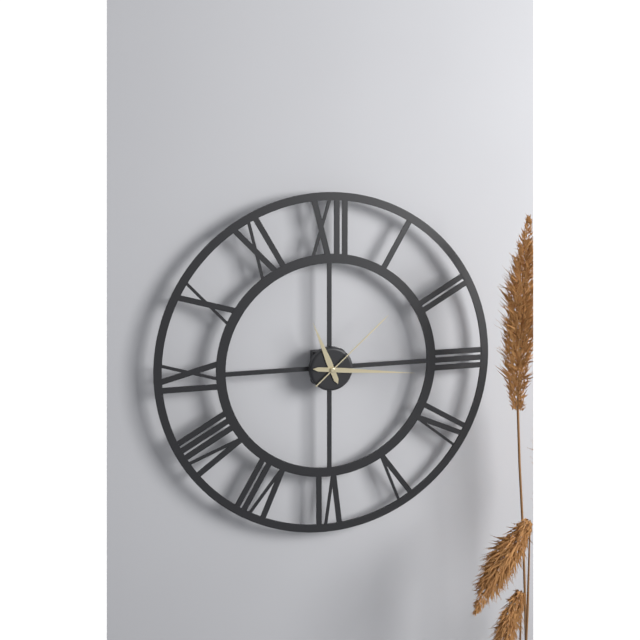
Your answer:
{"hour": 11, "minute": 16, "second": 8}
